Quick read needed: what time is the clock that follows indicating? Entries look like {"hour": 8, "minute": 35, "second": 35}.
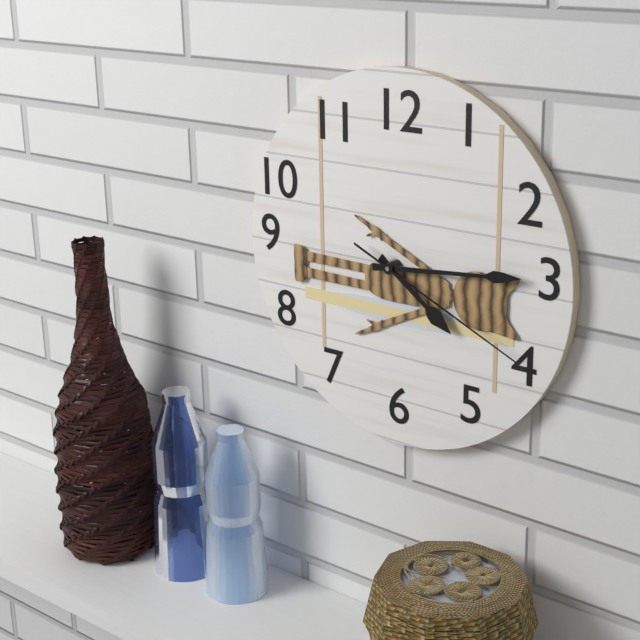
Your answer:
{"hour": 4, "minute": 14, "second": 19}
